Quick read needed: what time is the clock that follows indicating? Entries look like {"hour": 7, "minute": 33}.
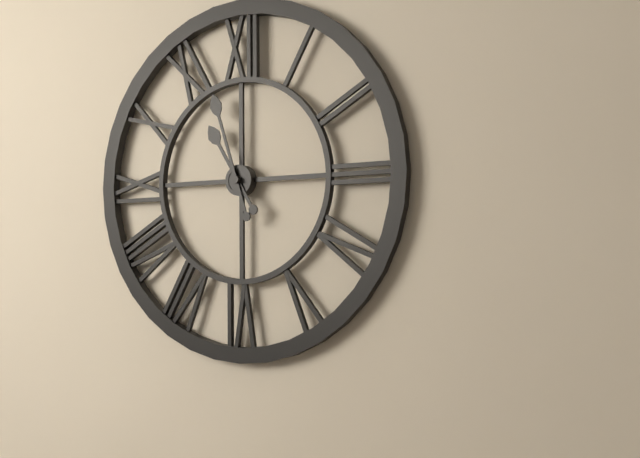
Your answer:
{"hour": 10, "minute": 57}
